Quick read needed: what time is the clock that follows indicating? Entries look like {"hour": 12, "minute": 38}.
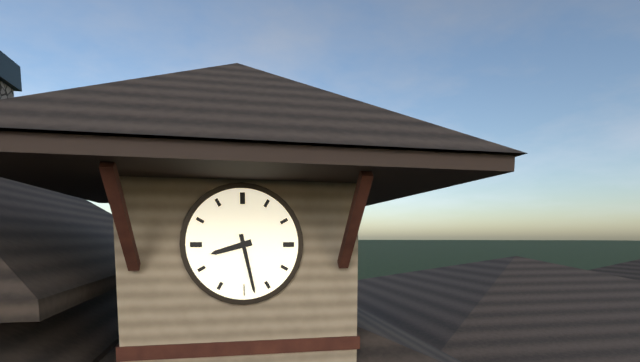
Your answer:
{"hour": 8, "minute": 28}
